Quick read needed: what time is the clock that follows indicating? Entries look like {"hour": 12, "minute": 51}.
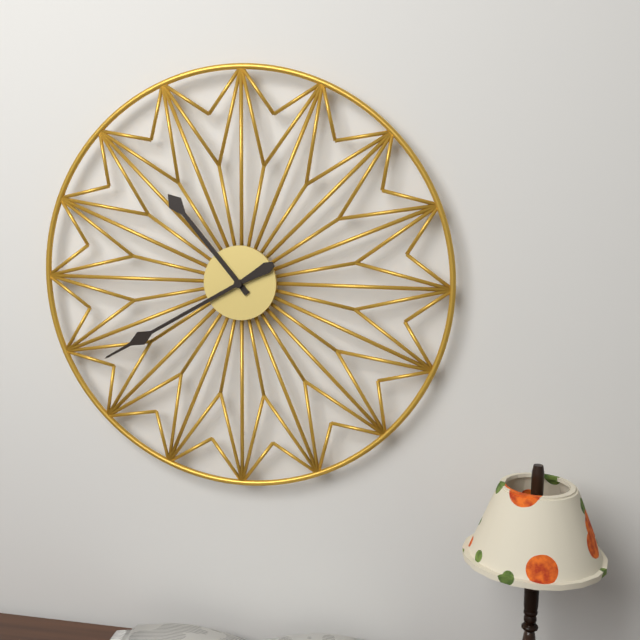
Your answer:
{"hour": 10, "minute": 40}
